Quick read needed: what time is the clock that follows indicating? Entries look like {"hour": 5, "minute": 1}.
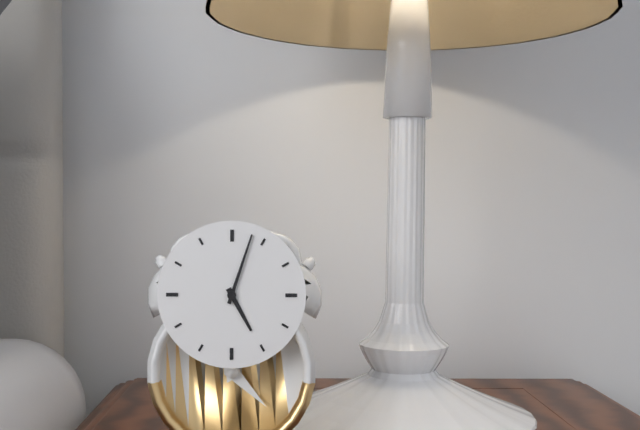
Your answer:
{"hour": 5, "minute": 3}
